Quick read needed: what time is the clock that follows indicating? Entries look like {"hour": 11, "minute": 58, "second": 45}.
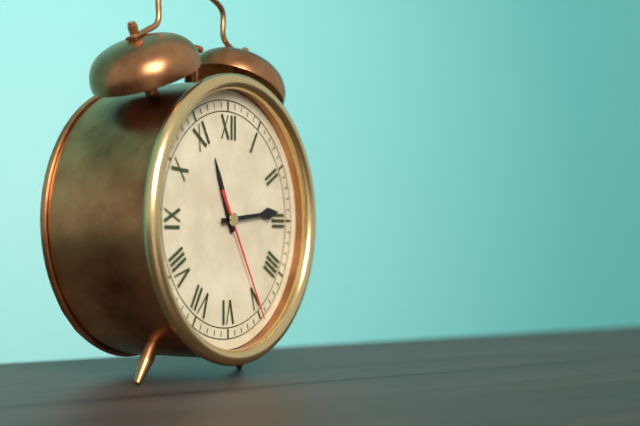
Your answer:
{"hour": 11, "minute": 14, "second": 25}
